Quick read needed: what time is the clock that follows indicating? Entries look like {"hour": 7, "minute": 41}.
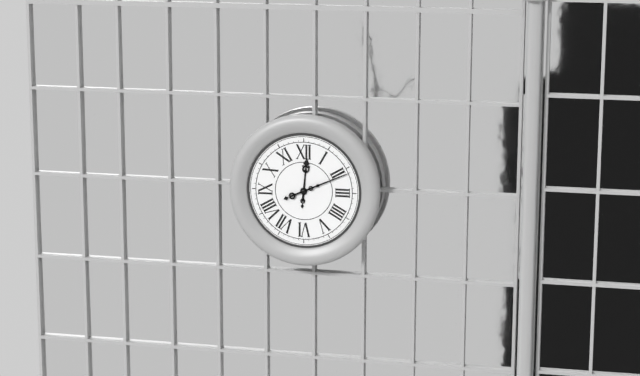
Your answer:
{"hour": 12, "minute": 11}
